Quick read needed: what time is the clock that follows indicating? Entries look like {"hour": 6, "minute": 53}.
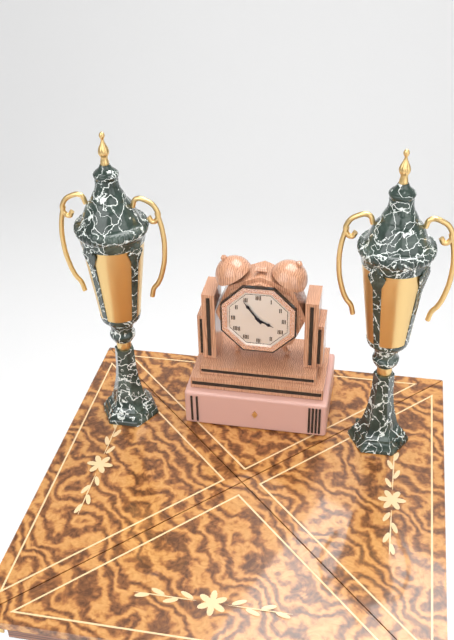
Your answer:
{"hour": 3, "minute": 54}
